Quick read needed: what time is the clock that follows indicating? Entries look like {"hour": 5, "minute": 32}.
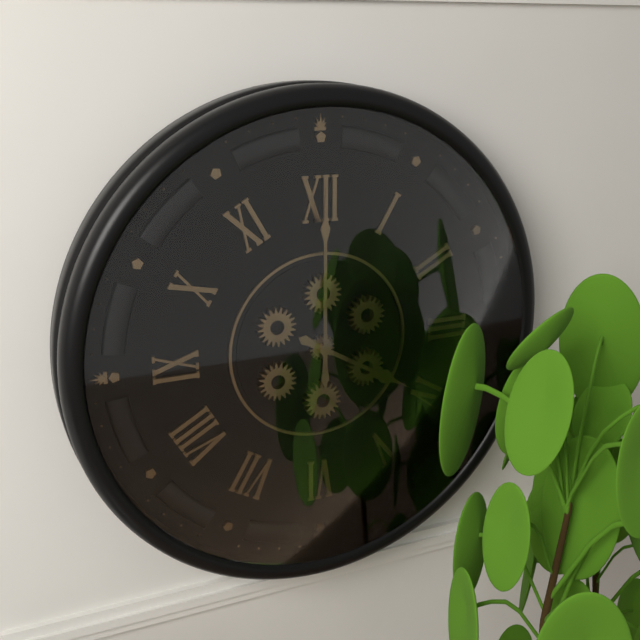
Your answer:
{"hour": 4, "minute": 0}
